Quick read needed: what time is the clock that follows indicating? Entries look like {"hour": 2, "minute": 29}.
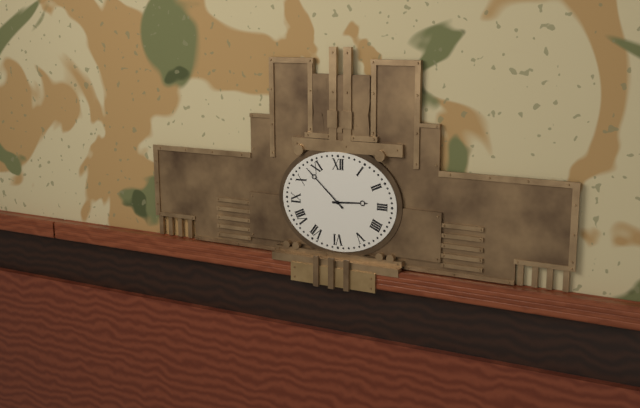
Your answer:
{"hour": 2, "minute": 52}
